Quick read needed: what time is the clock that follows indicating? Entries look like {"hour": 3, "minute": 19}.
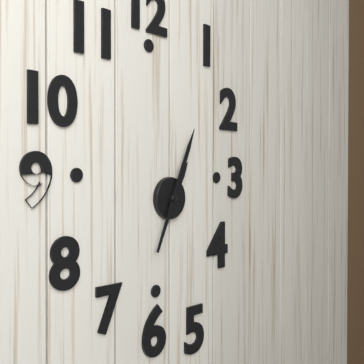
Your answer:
{"hour": 1, "minute": 4}
